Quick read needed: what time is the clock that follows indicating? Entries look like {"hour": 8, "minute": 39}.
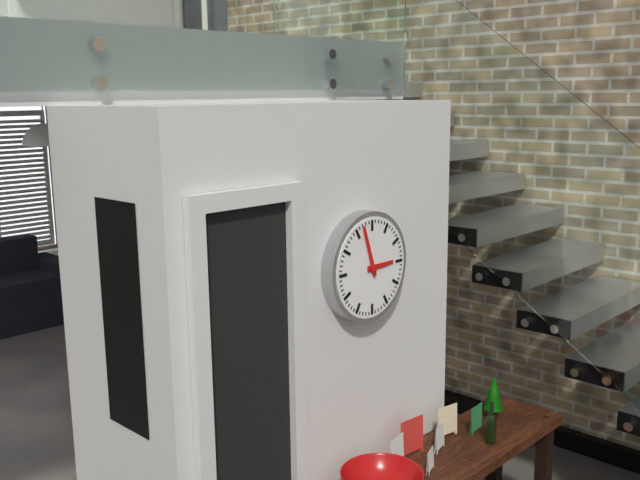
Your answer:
{"hour": 2, "minute": 57}
